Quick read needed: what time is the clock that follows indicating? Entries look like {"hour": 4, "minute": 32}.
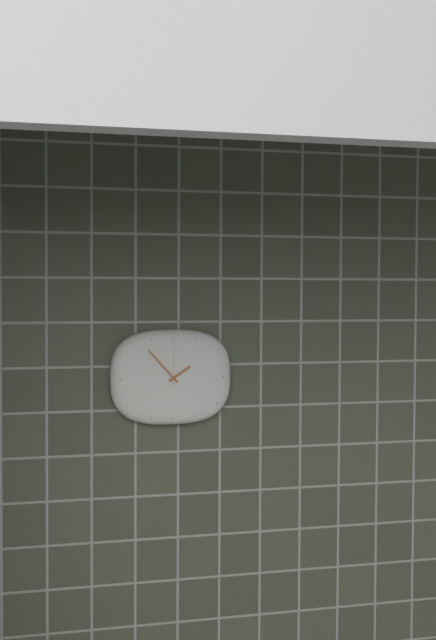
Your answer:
{"hour": 1, "minute": 53}
